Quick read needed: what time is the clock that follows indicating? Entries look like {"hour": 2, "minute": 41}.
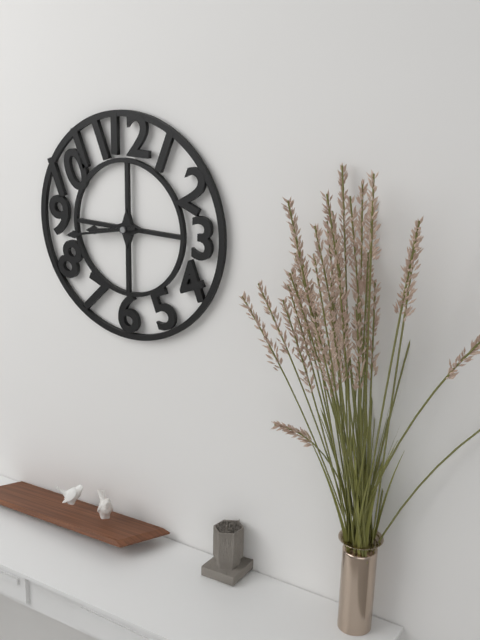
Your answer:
{"hour": 8, "minute": 43}
